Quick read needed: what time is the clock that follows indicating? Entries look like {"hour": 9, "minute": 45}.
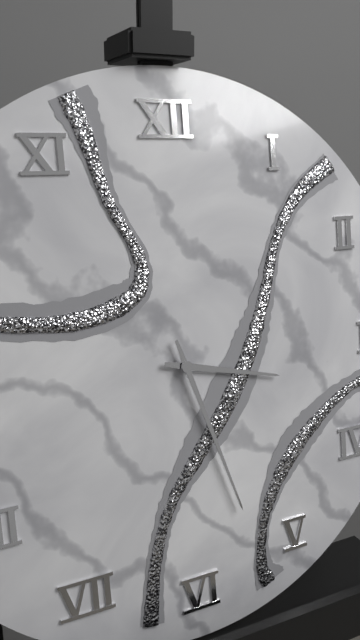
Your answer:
{"hour": 3, "minute": 27}
